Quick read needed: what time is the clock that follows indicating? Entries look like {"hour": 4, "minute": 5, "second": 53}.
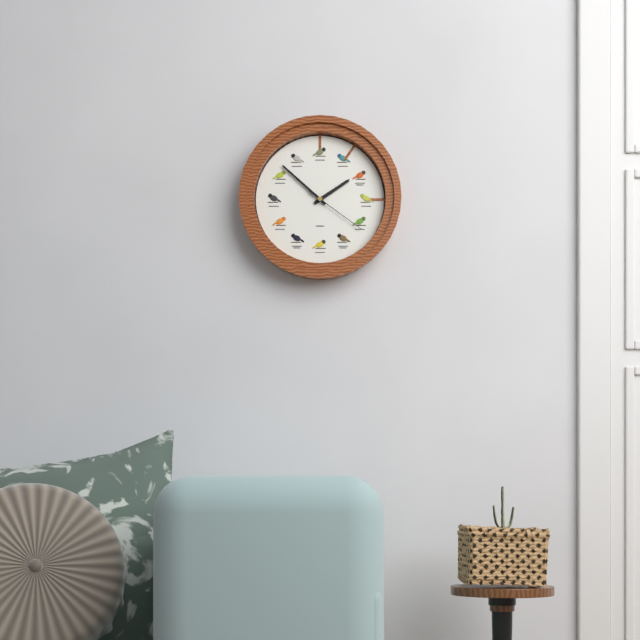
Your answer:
{"hour": 1, "minute": 52, "second": 21}
